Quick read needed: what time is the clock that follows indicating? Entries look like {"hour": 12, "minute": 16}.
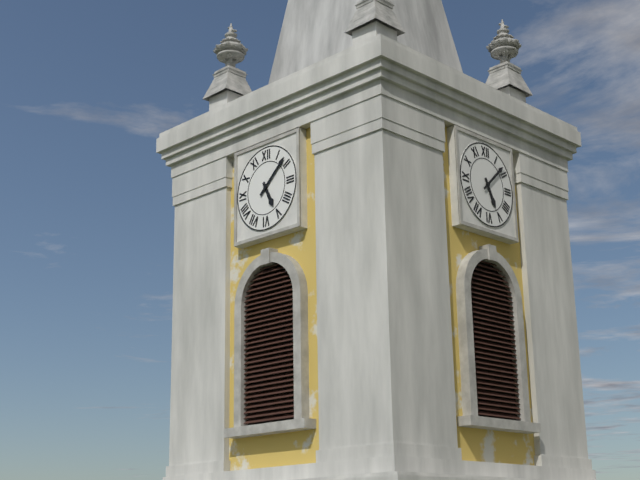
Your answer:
{"hour": 5, "minute": 8}
